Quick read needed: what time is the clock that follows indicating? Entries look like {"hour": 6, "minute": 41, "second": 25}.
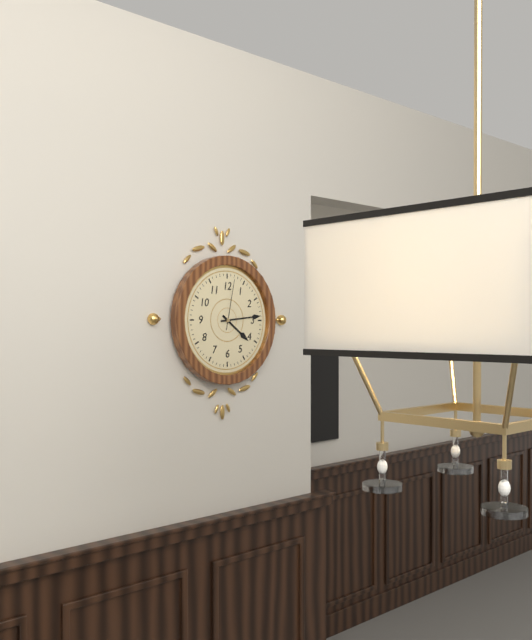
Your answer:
{"hour": 4, "minute": 14, "second": 2}
